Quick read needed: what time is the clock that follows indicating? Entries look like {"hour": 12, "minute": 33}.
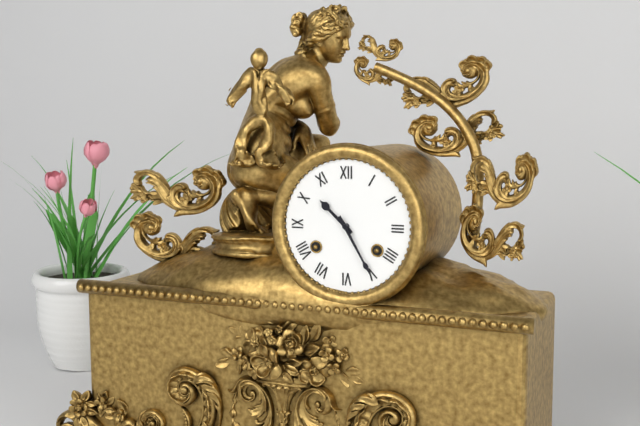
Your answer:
{"hour": 10, "minute": 25}
